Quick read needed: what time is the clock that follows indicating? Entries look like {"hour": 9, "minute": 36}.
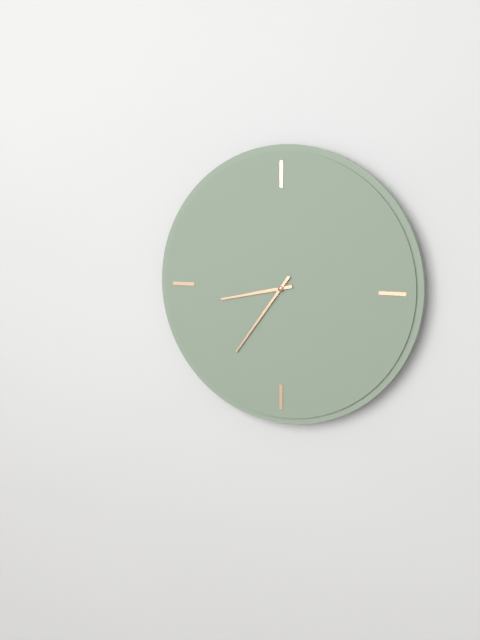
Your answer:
{"hour": 8, "minute": 36}
